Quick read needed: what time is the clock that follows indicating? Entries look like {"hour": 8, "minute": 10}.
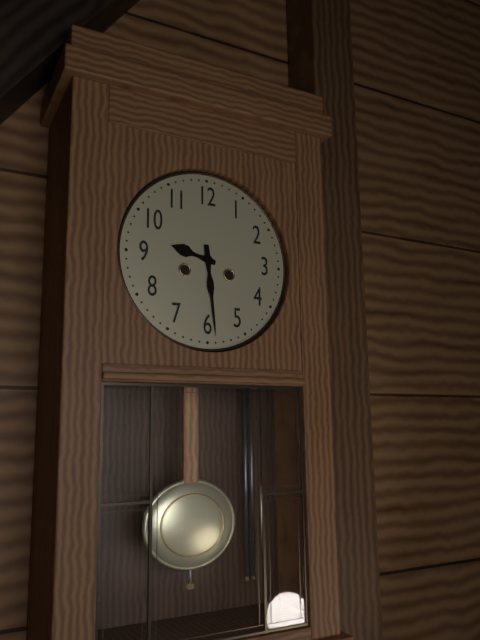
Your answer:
{"hour": 9, "minute": 29}
